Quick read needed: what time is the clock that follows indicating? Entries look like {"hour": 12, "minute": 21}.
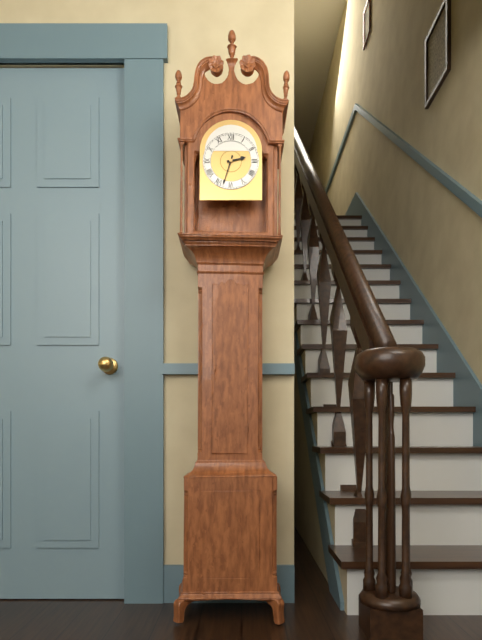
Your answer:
{"hour": 2, "minute": 33}
